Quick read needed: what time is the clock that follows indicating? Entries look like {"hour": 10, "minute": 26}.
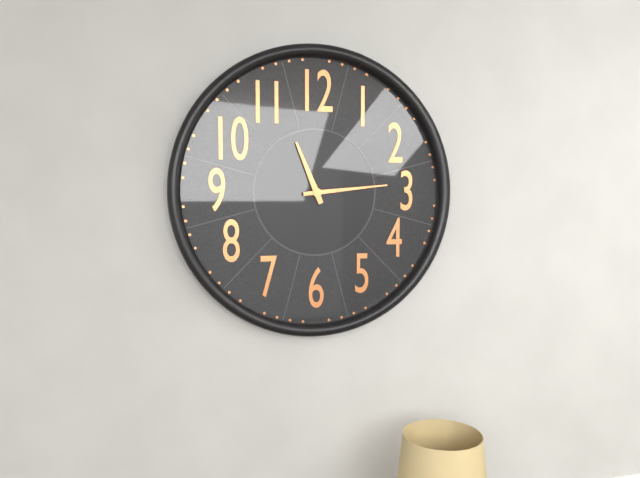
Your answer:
{"hour": 11, "minute": 14}
